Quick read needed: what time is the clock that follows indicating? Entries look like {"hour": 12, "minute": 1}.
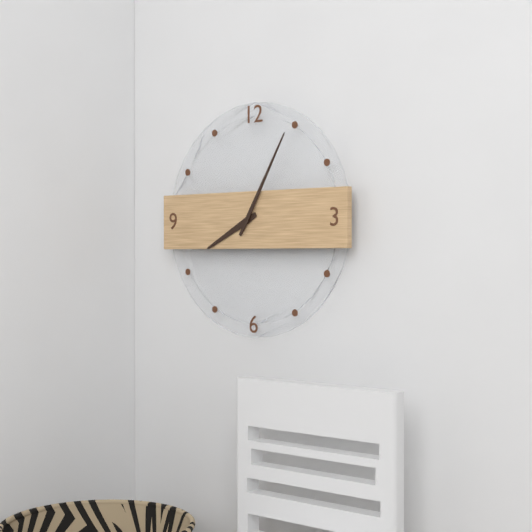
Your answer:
{"hour": 8, "minute": 5}
